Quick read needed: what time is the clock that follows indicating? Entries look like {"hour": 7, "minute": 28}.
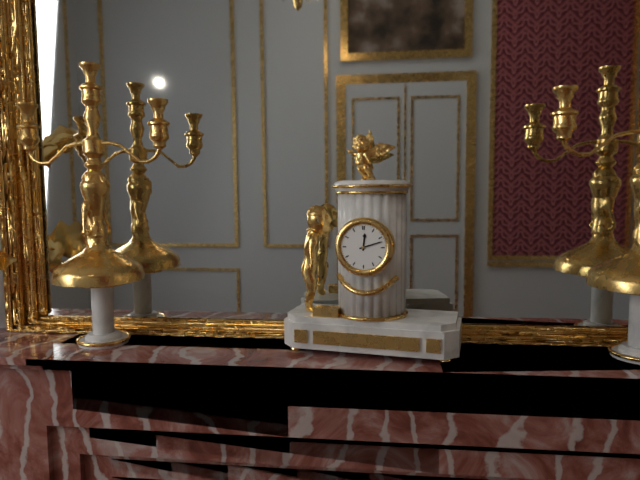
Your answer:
{"hour": 12, "minute": 12}
